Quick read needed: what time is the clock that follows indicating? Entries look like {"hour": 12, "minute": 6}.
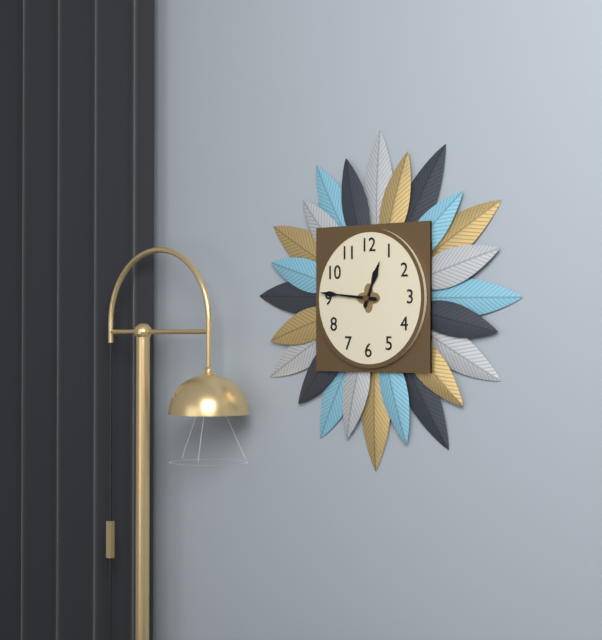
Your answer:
{"hour": 12, "minute": 46}
